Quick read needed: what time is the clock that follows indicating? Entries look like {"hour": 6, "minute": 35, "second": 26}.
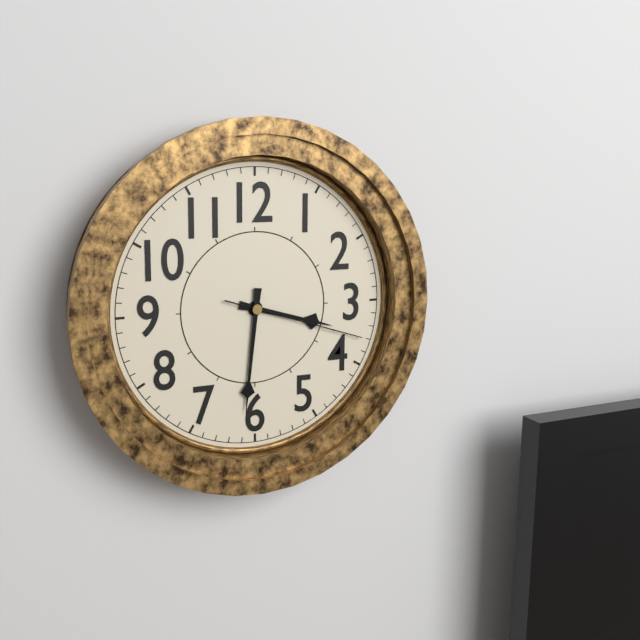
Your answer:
{"hour": 3, "minute": 31, "second": 18}
